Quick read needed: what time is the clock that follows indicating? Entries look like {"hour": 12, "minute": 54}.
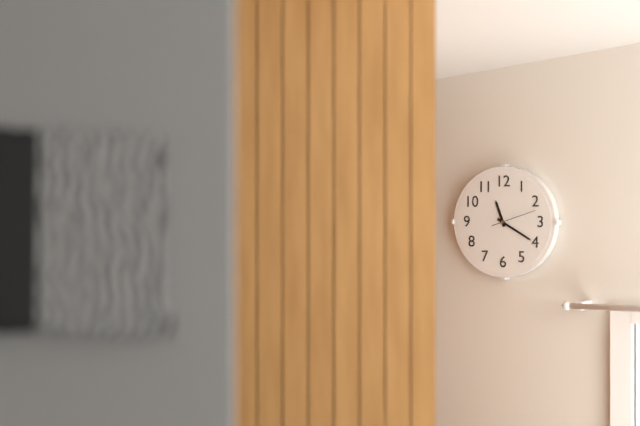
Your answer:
{"hour": 11, "minute": 20}
